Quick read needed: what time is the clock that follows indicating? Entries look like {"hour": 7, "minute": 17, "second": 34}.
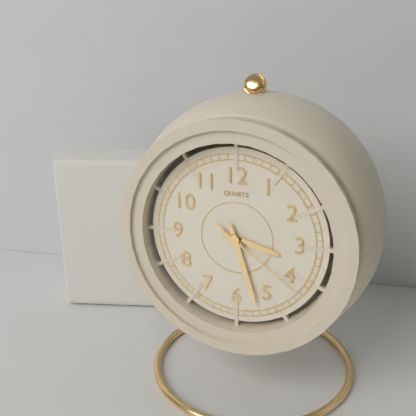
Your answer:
{"hour": 3, "minute": 27, "second": 21}
